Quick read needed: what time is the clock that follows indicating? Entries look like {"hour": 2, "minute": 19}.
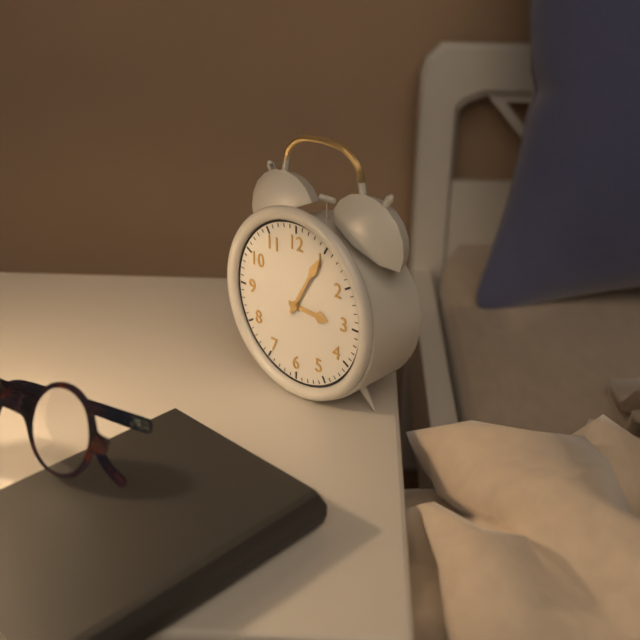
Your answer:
{"hour": 3, "minute": 5}
